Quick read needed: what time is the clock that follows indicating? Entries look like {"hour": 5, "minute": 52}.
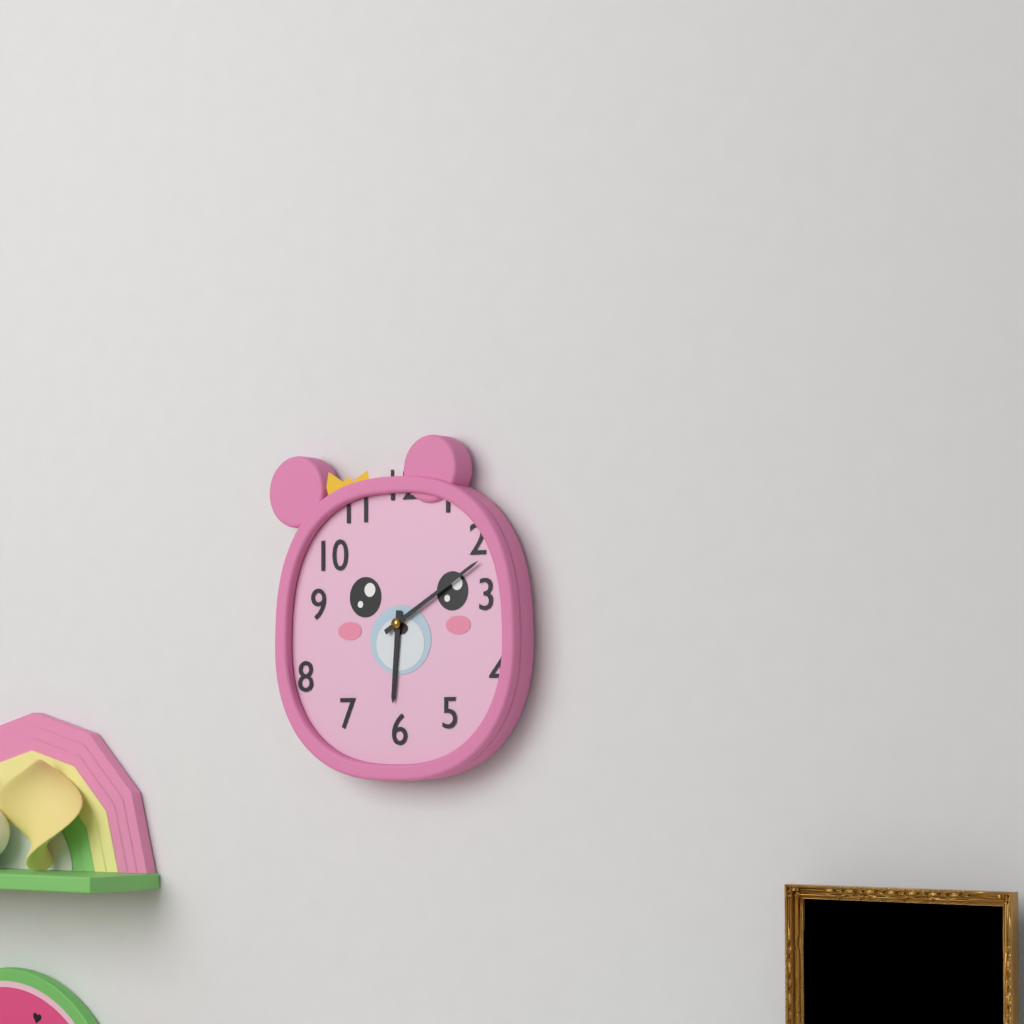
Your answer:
{"hour": 6, "minute": 10}
